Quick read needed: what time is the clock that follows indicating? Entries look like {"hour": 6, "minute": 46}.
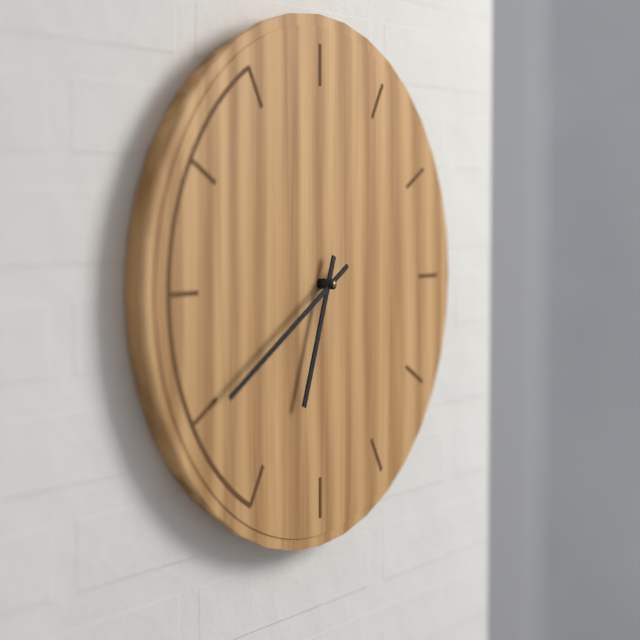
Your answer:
{"hour": 6, "minute": 40}
